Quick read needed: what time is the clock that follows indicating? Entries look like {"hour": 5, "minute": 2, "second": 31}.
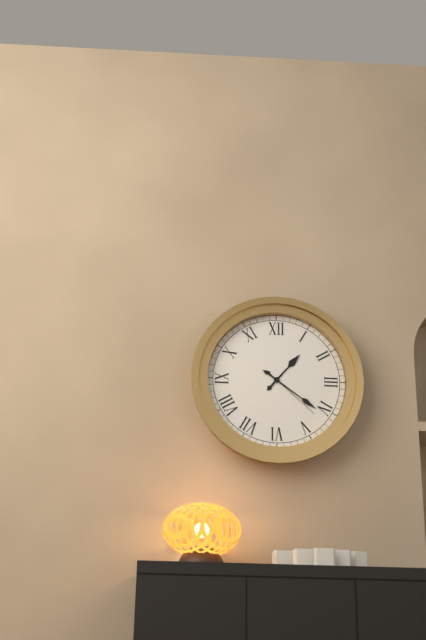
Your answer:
{"hour": 1, "minute": 21, "second": 22}
